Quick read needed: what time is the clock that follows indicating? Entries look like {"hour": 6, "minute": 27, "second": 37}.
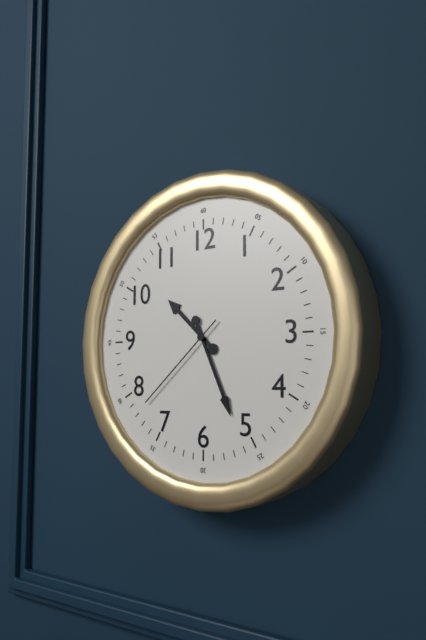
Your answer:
{"hour": 10, "minute": 26, "second": 38}
